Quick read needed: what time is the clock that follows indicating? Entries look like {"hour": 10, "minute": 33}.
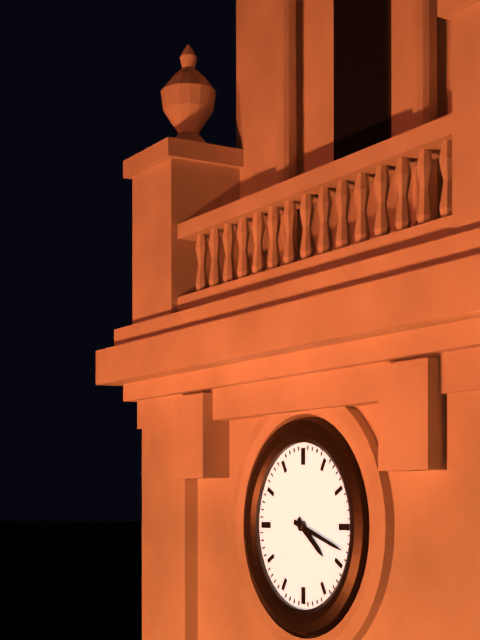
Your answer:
{"hour": 4, "minute": 18}
